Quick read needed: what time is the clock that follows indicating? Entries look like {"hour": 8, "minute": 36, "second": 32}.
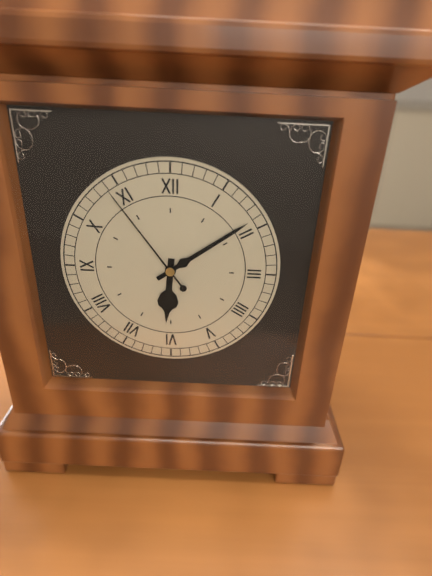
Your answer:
{"hour": 6, "minute": 9, "second": 54}
